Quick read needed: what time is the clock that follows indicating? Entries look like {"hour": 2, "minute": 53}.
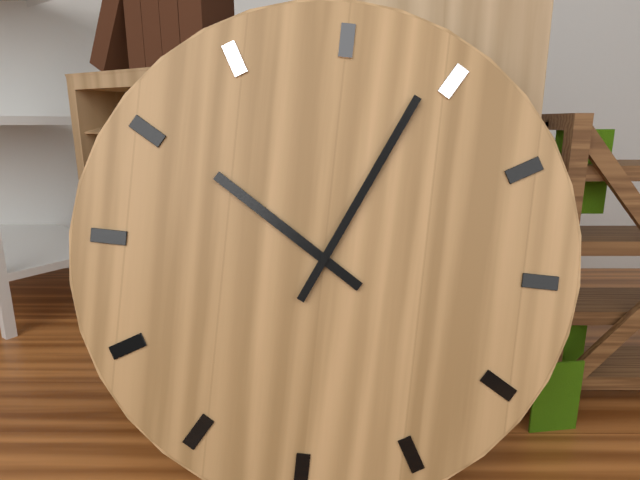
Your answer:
{"hour": 10, "minute": 4}
